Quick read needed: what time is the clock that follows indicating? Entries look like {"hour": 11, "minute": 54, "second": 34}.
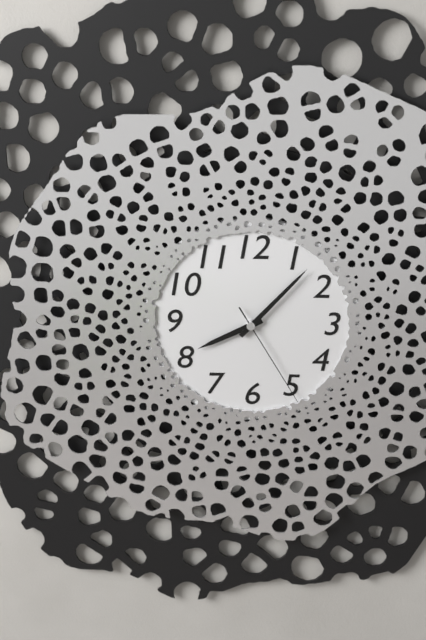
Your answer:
{"hour": 8, "minute": 7, "second": 25}
